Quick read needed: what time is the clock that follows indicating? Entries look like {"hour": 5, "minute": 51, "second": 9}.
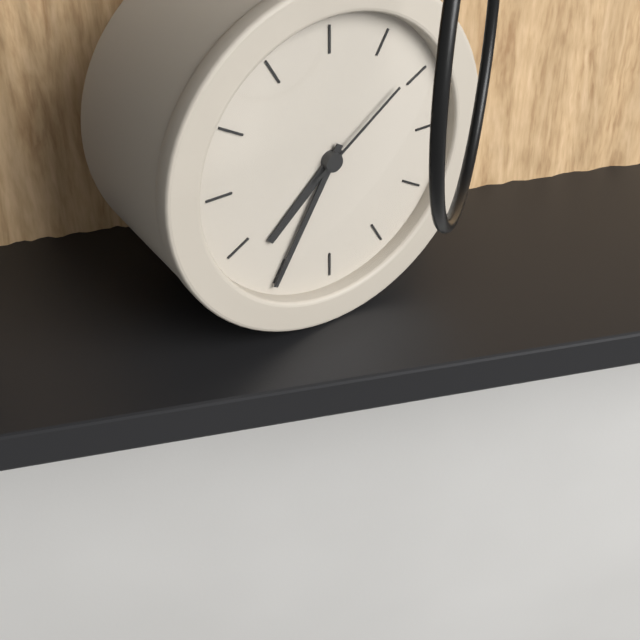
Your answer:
{"hour": 7, "minute": 35, "second": 9}
